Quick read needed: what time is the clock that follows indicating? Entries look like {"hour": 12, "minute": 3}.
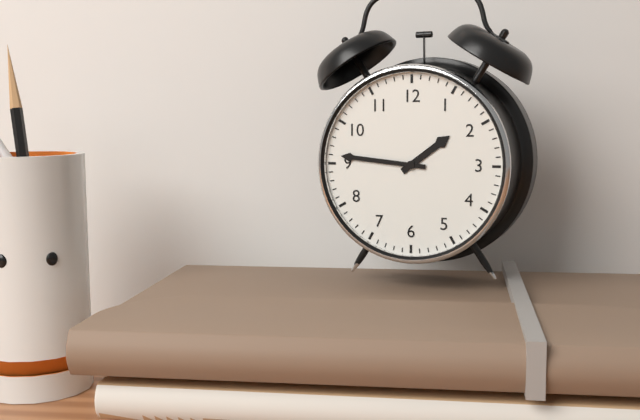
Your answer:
{"hour": 1, "minute": 46}
